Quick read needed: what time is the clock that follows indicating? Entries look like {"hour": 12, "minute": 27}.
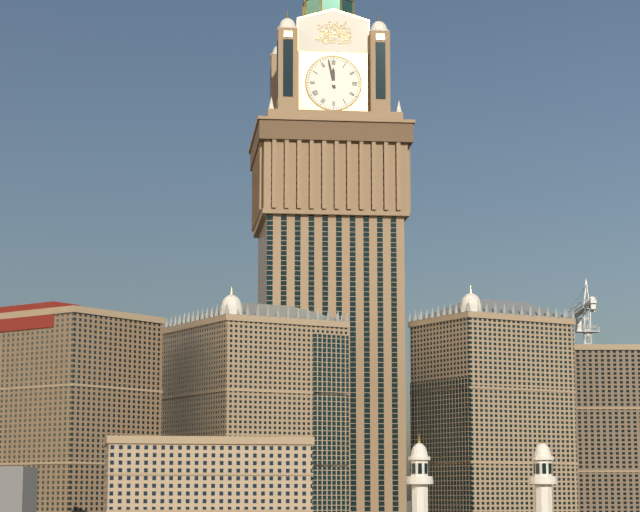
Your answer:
{"hour": 11, "minute": 58}
